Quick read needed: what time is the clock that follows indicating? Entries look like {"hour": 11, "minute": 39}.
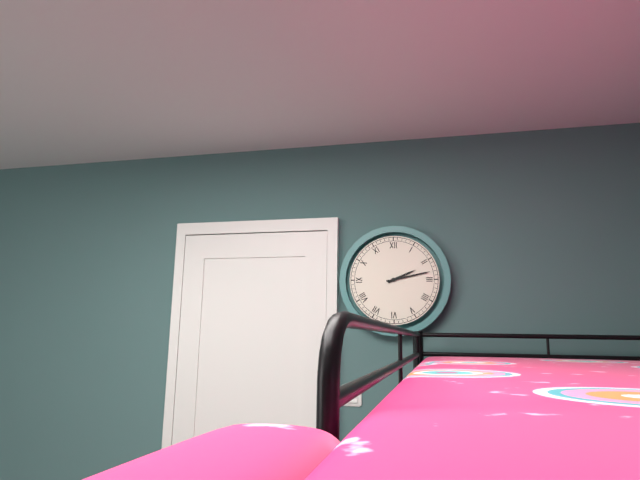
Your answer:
{"hour": 2, "minute": 13}
